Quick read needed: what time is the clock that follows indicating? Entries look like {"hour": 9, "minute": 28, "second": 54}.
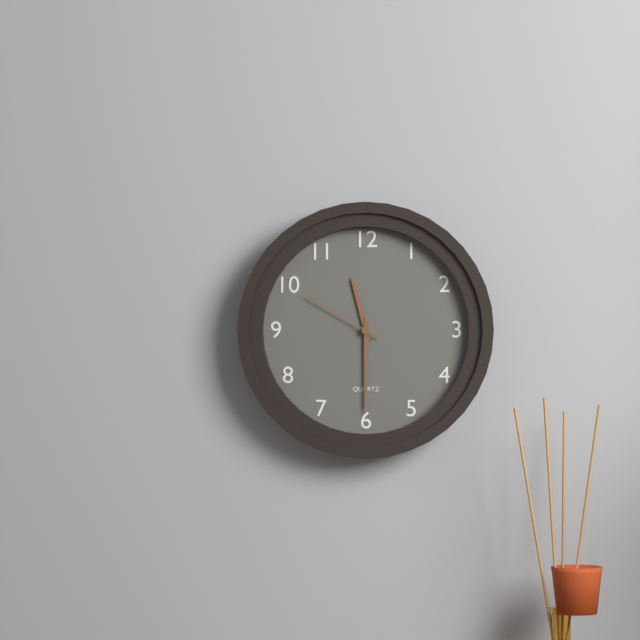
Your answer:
{"hour": 11, "minute": 30, "second": 50}
